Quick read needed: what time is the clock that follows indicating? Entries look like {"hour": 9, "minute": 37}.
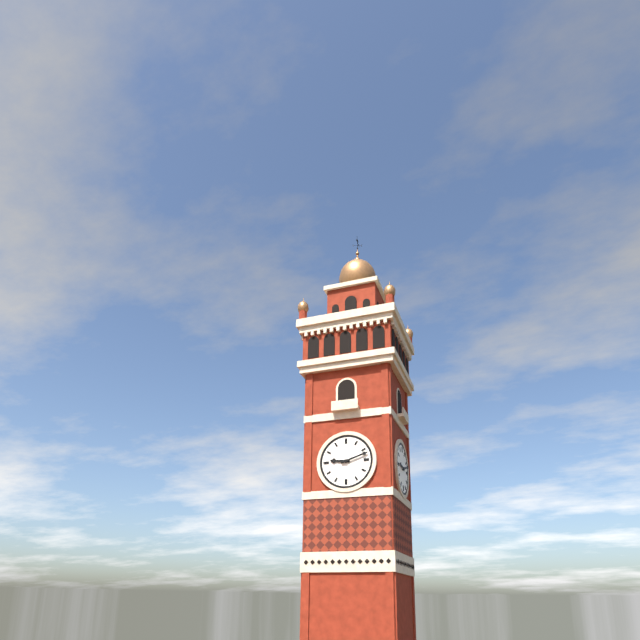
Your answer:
{"hour": 9, "minute": 12}
